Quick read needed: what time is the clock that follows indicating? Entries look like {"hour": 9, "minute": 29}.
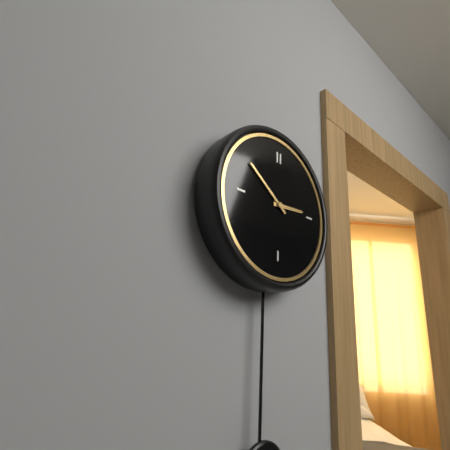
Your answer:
{"hour": 2, "minute": 51}
